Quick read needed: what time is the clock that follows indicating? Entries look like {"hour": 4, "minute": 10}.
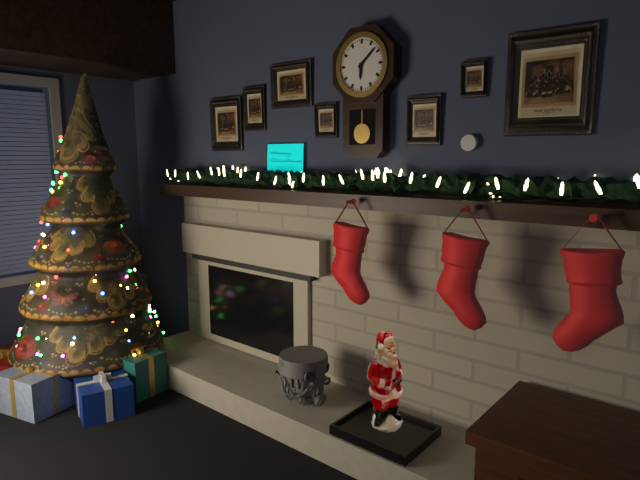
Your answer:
{"hour": 6, "minute": 8}
